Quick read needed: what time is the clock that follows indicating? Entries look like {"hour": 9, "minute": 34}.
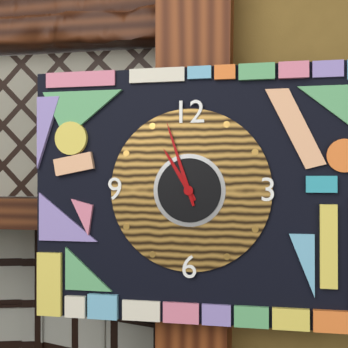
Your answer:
{"hour": 10, "minute": 57}
